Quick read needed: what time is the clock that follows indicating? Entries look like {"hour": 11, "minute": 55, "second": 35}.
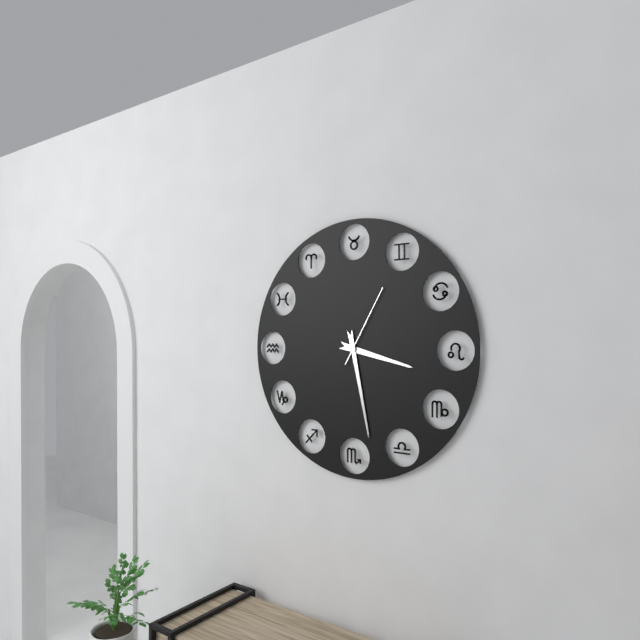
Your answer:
{"hour": 3, "minute": 28, "second": 5}
